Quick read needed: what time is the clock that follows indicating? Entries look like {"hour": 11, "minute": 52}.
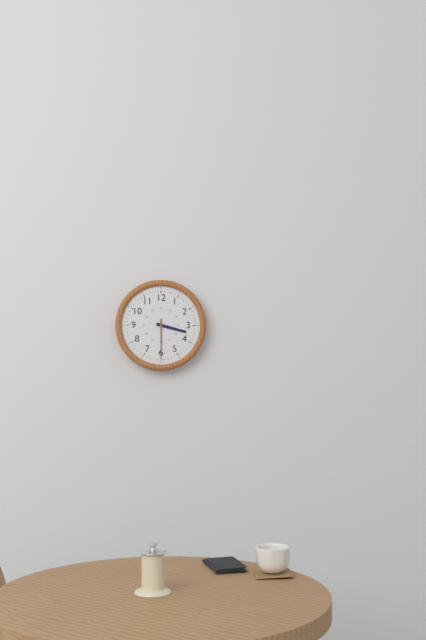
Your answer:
{"hour": 3, "minute": 30}
